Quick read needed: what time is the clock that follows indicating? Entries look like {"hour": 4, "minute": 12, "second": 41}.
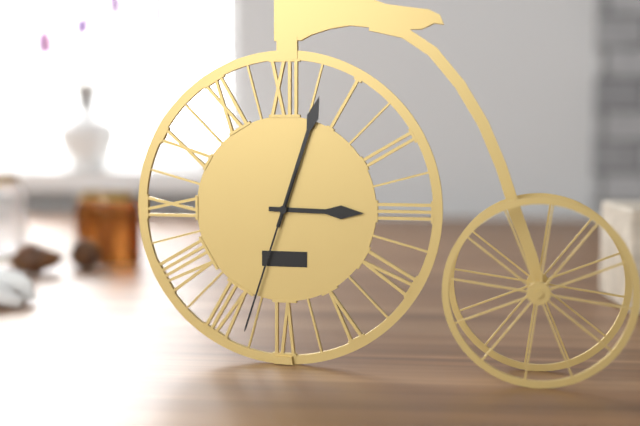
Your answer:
{"hour": 3, "minute": 3, "second": 33}
